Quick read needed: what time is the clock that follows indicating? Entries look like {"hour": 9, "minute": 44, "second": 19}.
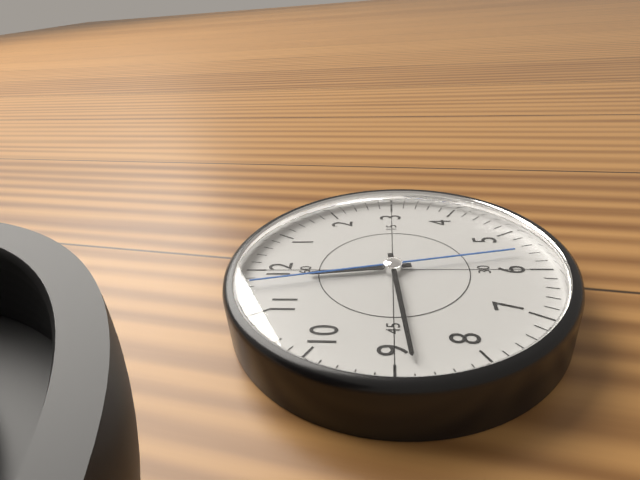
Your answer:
{"hour": 11, "minute": 44, "second": 58}
